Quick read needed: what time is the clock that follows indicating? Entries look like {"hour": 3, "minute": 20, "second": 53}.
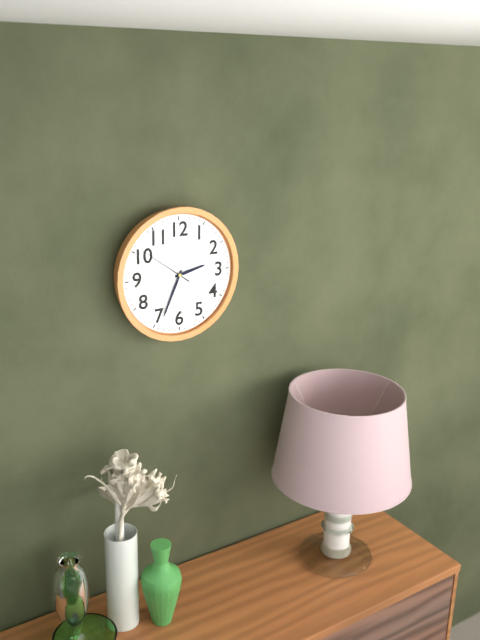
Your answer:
{"hour": 2, "minute": 34, "second": 51}
